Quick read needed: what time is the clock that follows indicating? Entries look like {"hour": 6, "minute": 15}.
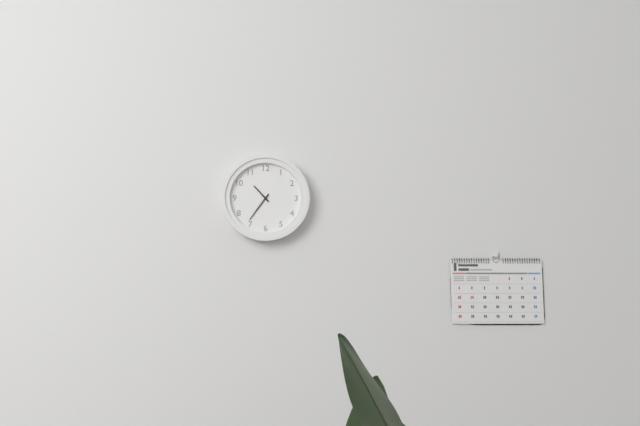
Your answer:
{"hour": 10, "minute": 36}
